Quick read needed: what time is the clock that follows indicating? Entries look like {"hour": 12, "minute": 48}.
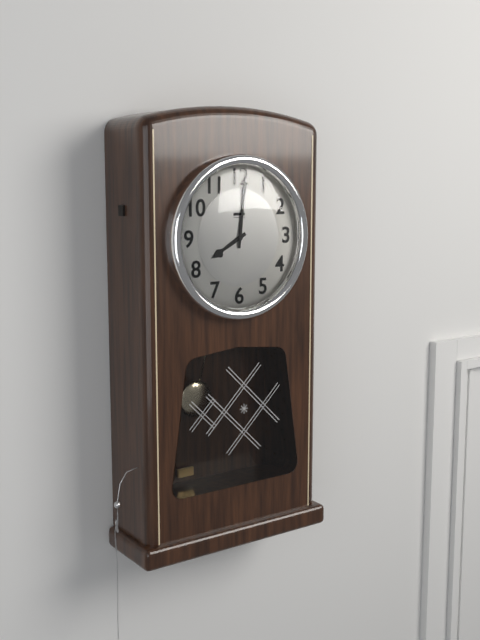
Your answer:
{"hour": 8, "minute": 1}
